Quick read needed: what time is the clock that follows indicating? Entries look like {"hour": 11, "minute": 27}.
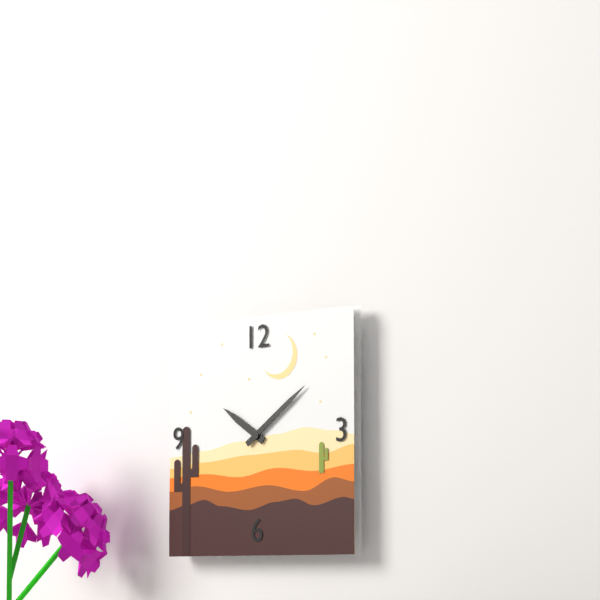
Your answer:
{"hour": 10, "minute": 9}
